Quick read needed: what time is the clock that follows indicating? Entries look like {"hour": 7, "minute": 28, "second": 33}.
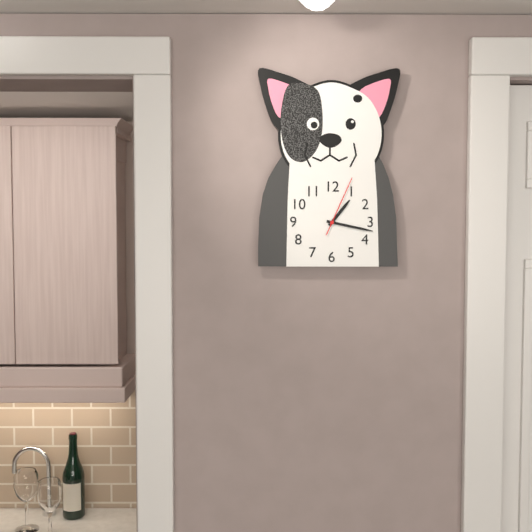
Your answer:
{"hour": 1, "minute": 17, "second": 4}
